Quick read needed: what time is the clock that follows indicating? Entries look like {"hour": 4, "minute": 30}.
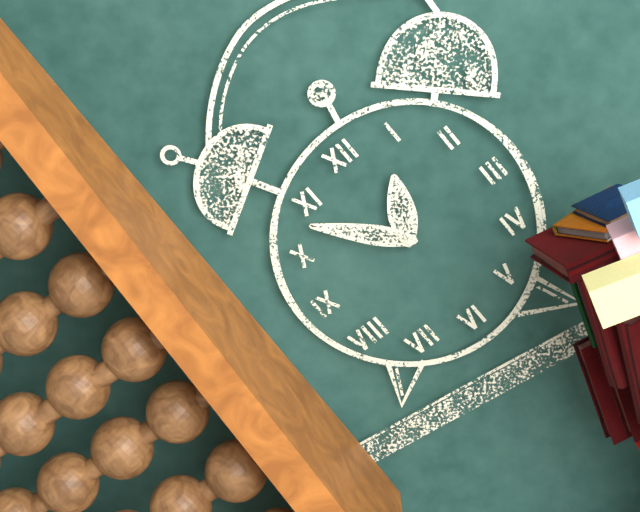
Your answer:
{"hour": 12, "minute": 53}
